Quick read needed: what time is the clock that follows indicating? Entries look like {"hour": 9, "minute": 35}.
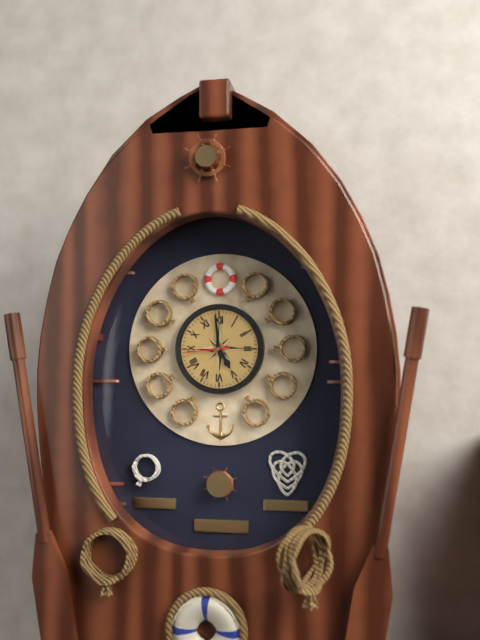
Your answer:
{"hour": 4, "minute": 59}
